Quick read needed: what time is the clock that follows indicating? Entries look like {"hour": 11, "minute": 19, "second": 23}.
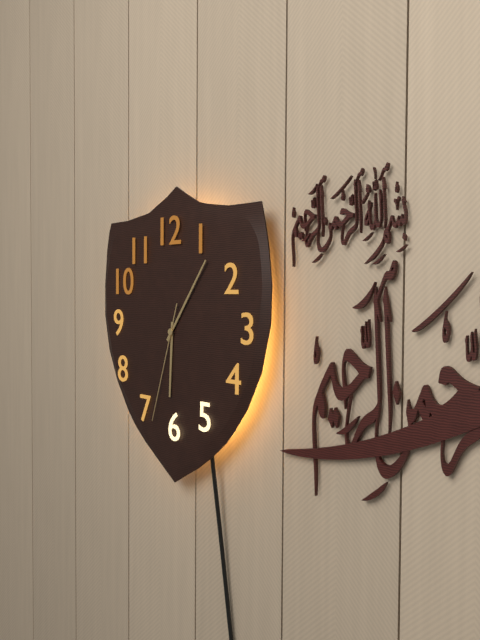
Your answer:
{"hour": 6, "minute": 6, "second": 33}
